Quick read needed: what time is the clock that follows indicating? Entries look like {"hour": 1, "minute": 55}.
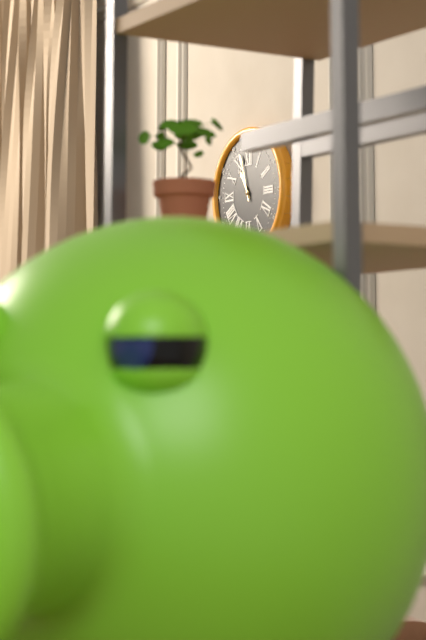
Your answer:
{"hour": 10, "minute": 57}
